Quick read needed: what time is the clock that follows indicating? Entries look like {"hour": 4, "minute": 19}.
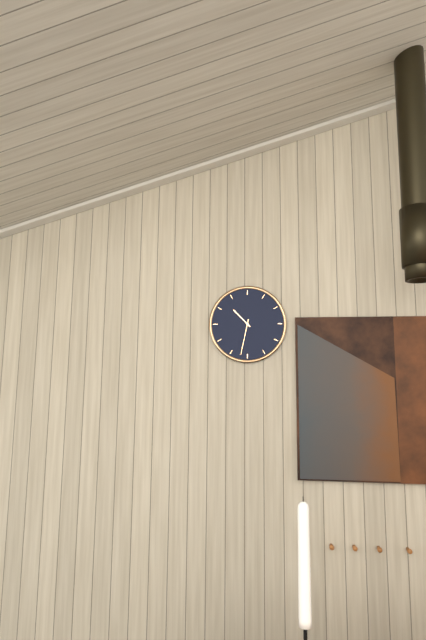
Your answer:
{"hour": 10, "minute": 32}
